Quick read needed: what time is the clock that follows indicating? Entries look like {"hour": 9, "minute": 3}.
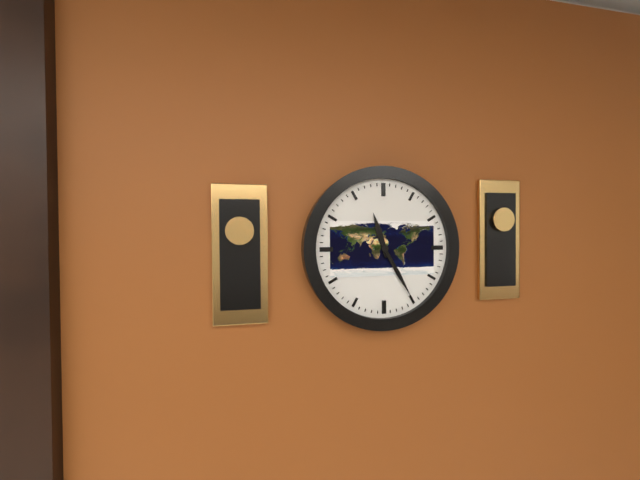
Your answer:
{"hour": 11, "minute": 25}
